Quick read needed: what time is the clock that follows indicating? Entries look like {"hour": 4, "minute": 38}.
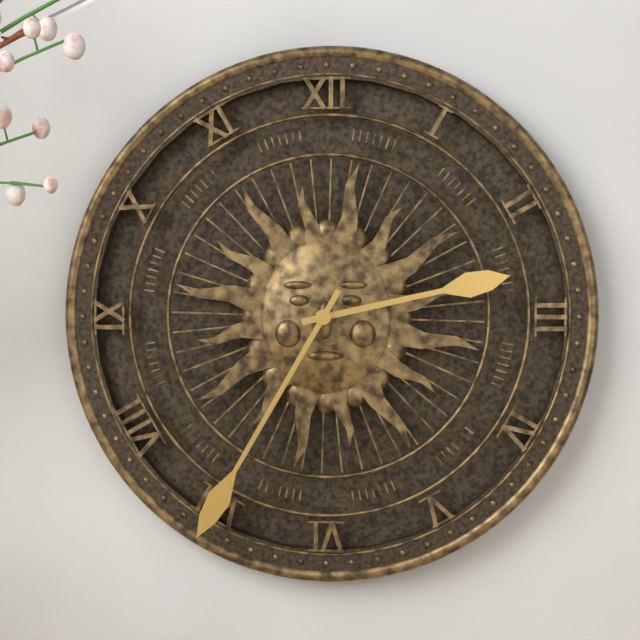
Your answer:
{"hour": 2, "minute": 35}
